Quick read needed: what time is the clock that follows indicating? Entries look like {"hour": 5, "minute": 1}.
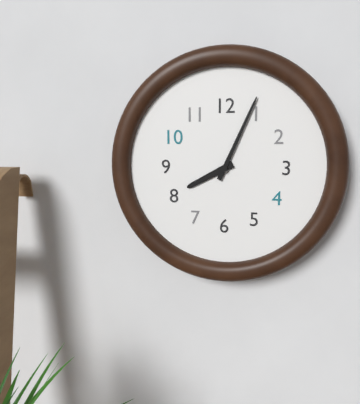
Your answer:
{"hour": 8, "minute": 4}
